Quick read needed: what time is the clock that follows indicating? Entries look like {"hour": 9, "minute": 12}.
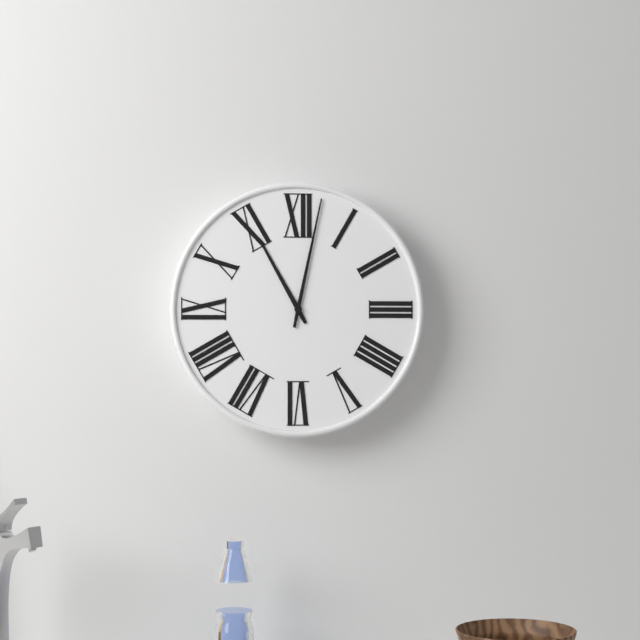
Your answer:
{"hour": 11, "minute": 2}
